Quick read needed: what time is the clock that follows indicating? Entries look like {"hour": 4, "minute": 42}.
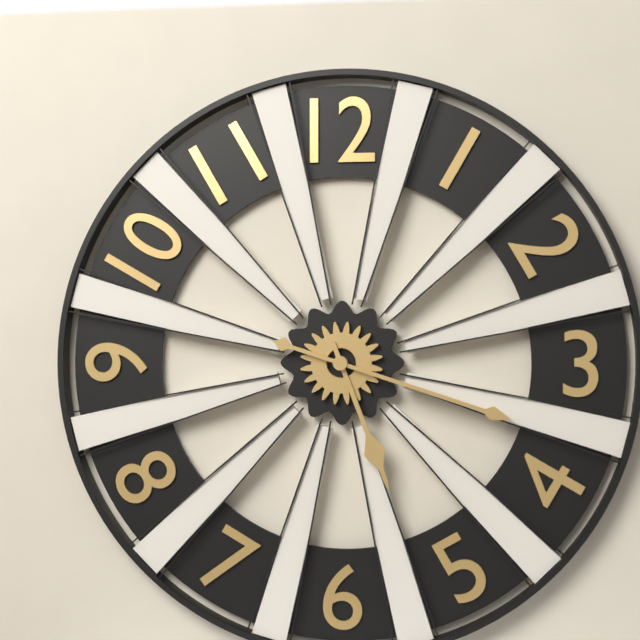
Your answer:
{"hour": 5, "minute": 18}
